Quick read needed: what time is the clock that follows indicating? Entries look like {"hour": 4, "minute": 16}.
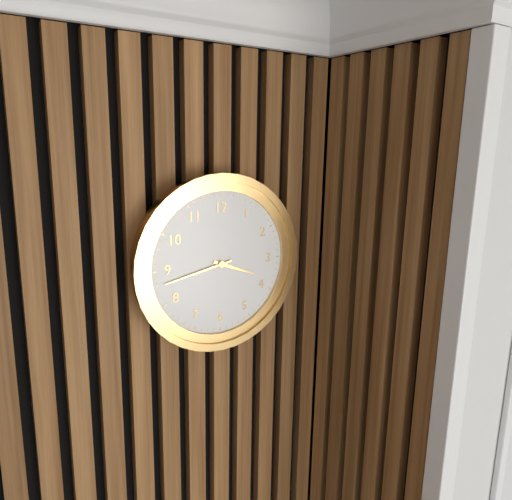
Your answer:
{"hour": 3, "minute": 43}
